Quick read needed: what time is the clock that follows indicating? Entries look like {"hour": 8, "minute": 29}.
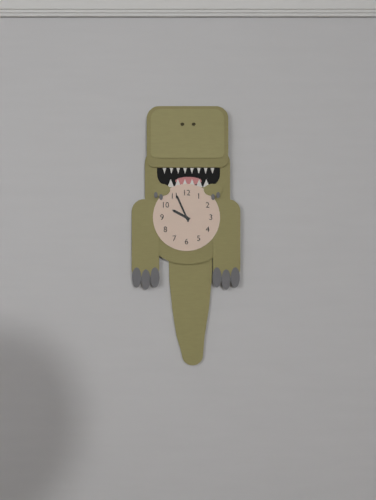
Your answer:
{"hour": 9, "minute": 56}
